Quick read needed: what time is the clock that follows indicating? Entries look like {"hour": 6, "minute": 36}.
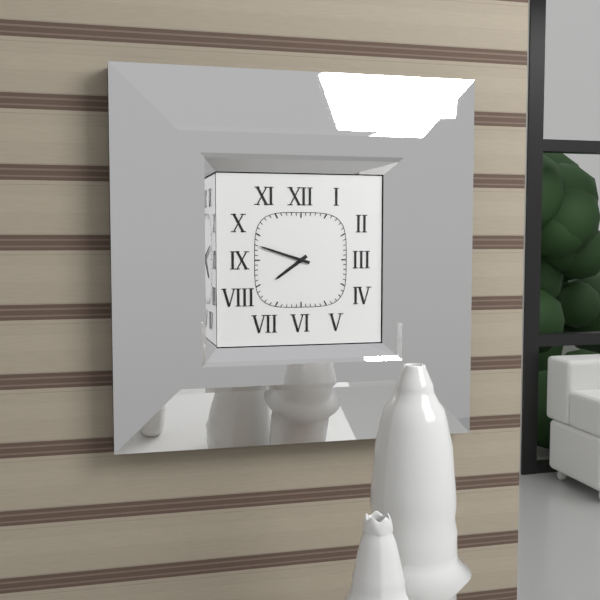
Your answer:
{"hour": 7, "minute": 48}
